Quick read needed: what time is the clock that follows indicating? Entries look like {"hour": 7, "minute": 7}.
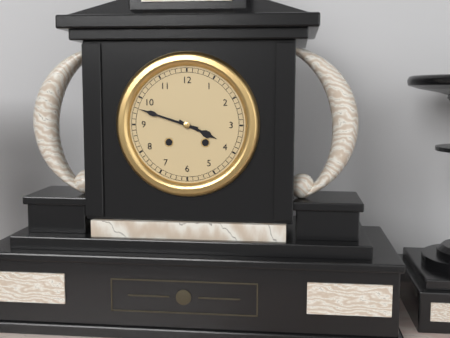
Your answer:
{"hour": 3, "minute": 48}
